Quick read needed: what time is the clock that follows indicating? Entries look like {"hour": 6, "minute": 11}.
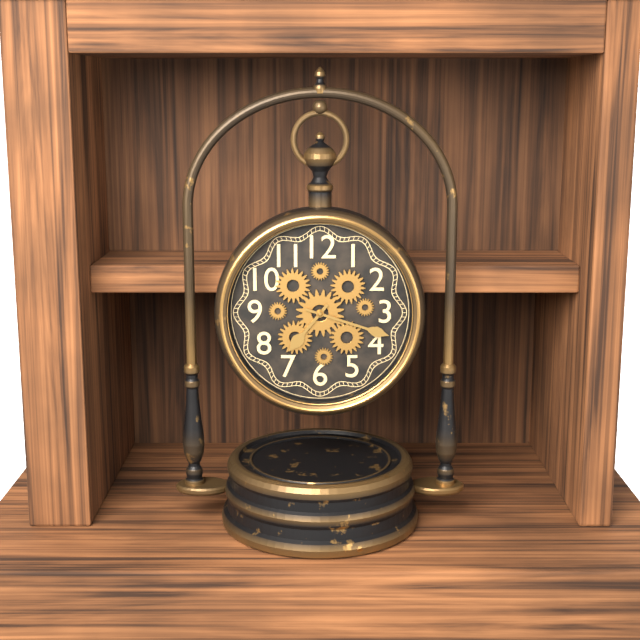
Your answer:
{"hour": 7, "minute": 18}
